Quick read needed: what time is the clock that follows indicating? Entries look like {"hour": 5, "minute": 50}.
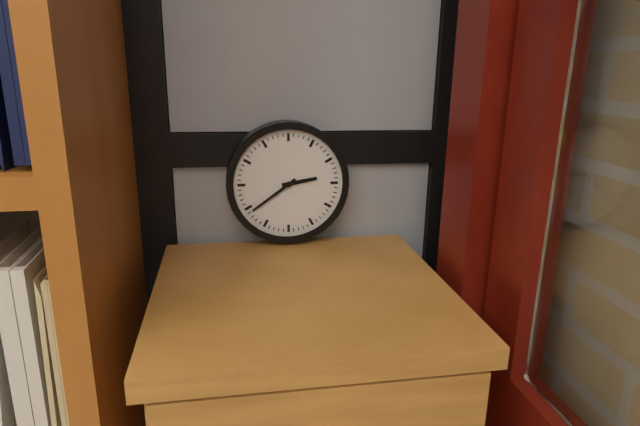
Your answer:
{"hour": 2, "minute": 39}
